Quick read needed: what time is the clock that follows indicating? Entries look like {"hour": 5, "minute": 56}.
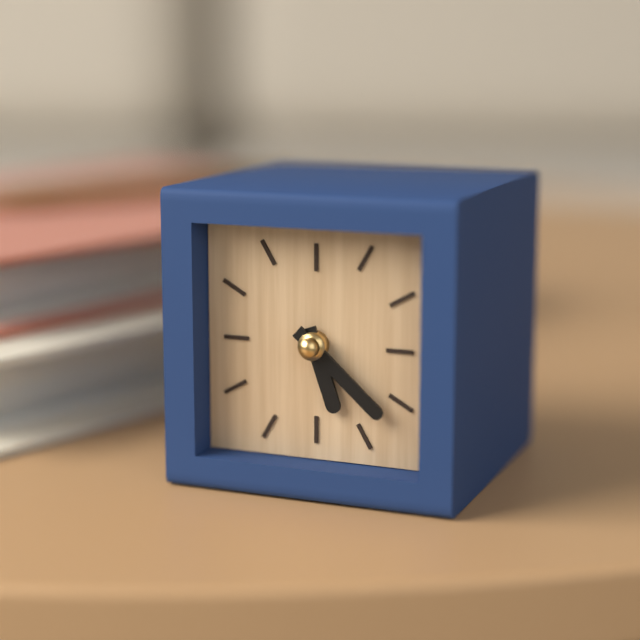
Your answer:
{"hour": 5, "minute": 22}
